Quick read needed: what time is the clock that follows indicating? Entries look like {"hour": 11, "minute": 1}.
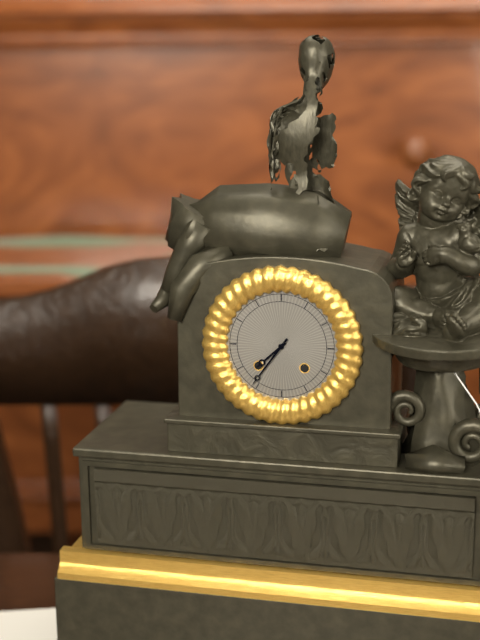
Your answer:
{"hour": 7, "minute": 36}
